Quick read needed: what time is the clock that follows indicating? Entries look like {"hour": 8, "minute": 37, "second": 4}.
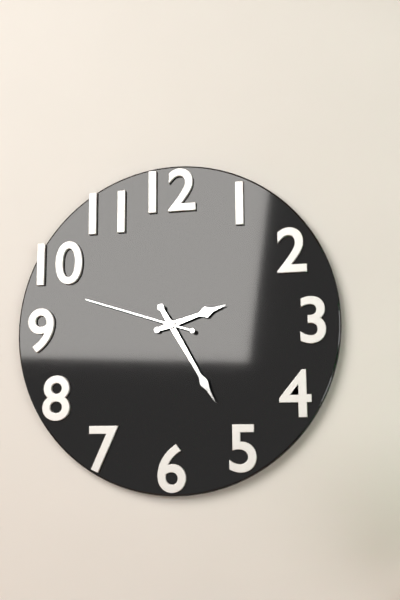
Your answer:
{"hour": 2, "minute": 25, "second": 48}
